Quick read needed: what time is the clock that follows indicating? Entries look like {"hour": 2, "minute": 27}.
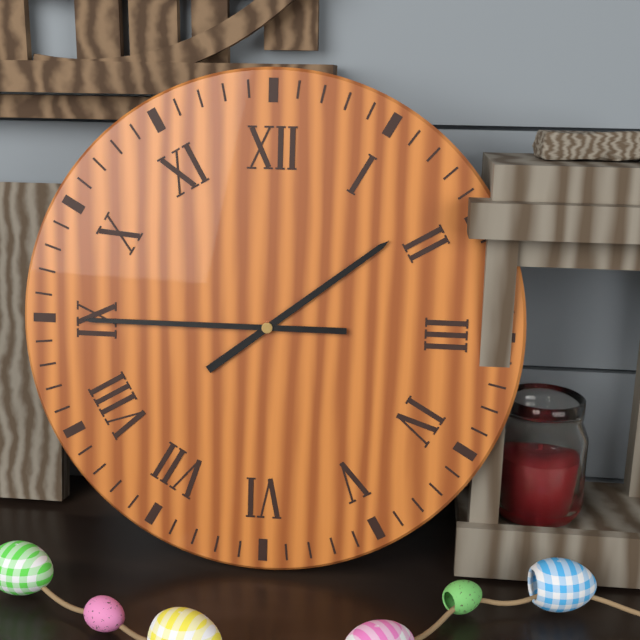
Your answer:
{"hour": 1, "minute": 45}
